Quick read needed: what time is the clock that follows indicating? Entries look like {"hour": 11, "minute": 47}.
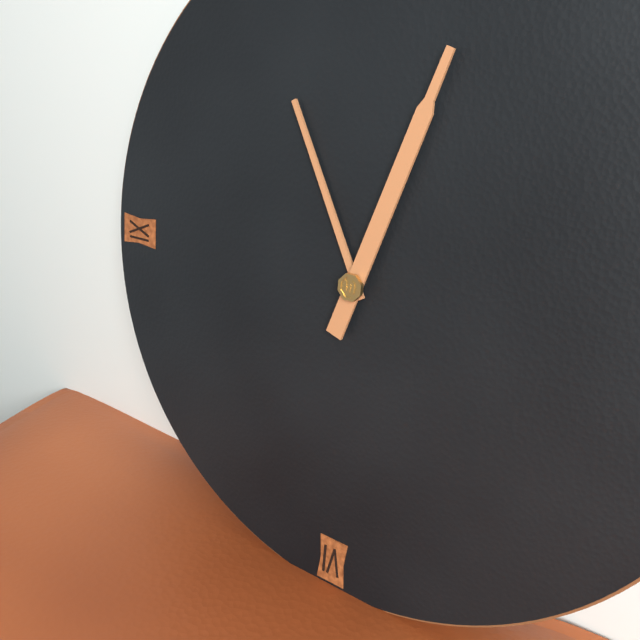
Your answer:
{"hour": 11, "minute": 3}
